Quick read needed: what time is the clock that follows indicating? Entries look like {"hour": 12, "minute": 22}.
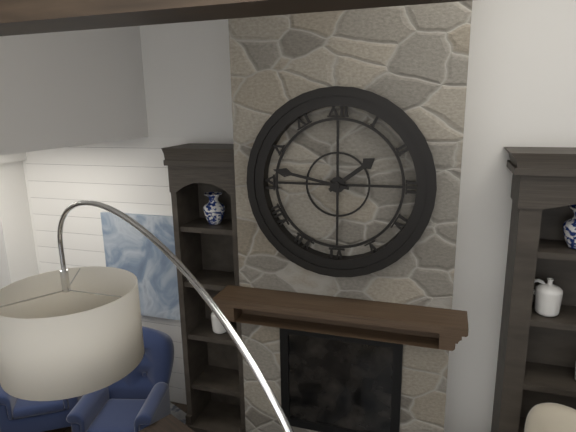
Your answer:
{"hour": 1, "minute": 47}
